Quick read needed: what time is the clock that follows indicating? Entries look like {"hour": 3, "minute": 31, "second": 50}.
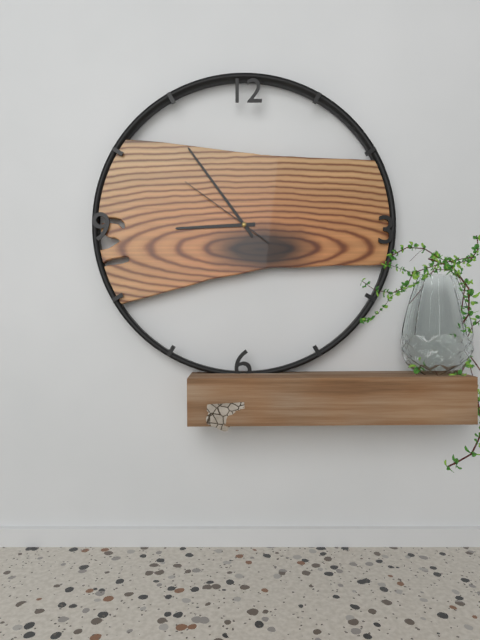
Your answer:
{"hour": 8, "minute": 54, "second": 51}
